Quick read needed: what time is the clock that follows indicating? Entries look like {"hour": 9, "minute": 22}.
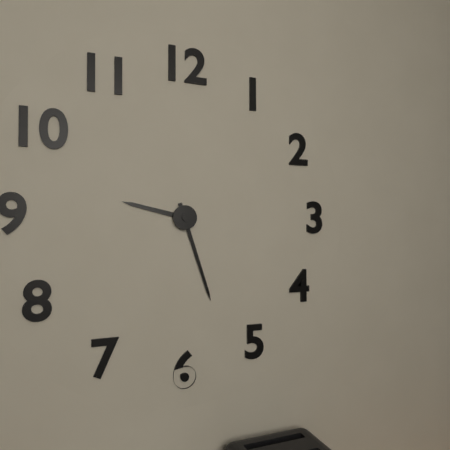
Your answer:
{"hour": 9, "minute": 27}
